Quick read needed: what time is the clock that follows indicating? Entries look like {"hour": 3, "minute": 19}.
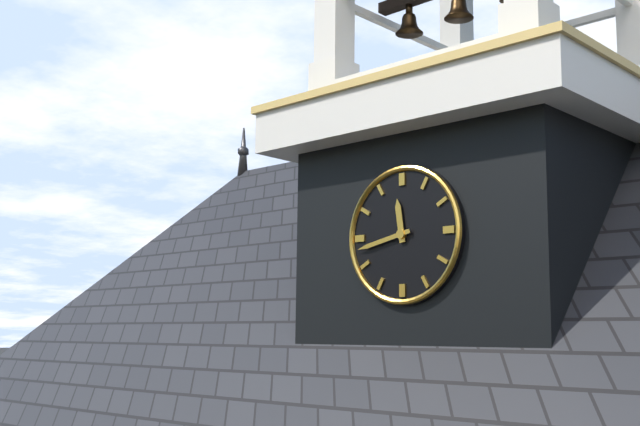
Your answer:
{"hour": 11, "minute": 43}
